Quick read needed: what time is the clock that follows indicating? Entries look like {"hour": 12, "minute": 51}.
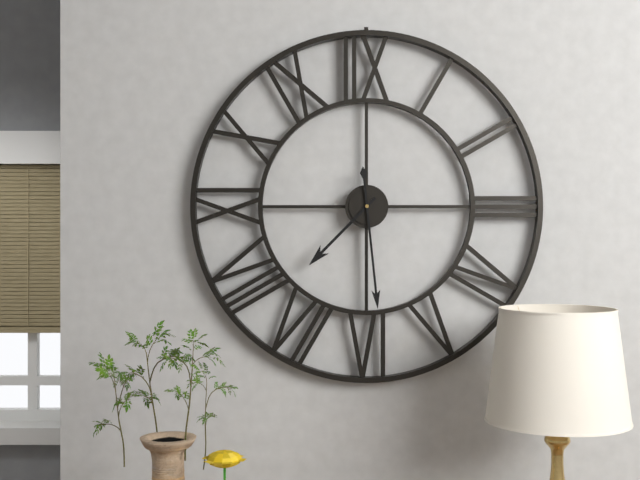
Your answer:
{"hour": 7, "minute": 29}
